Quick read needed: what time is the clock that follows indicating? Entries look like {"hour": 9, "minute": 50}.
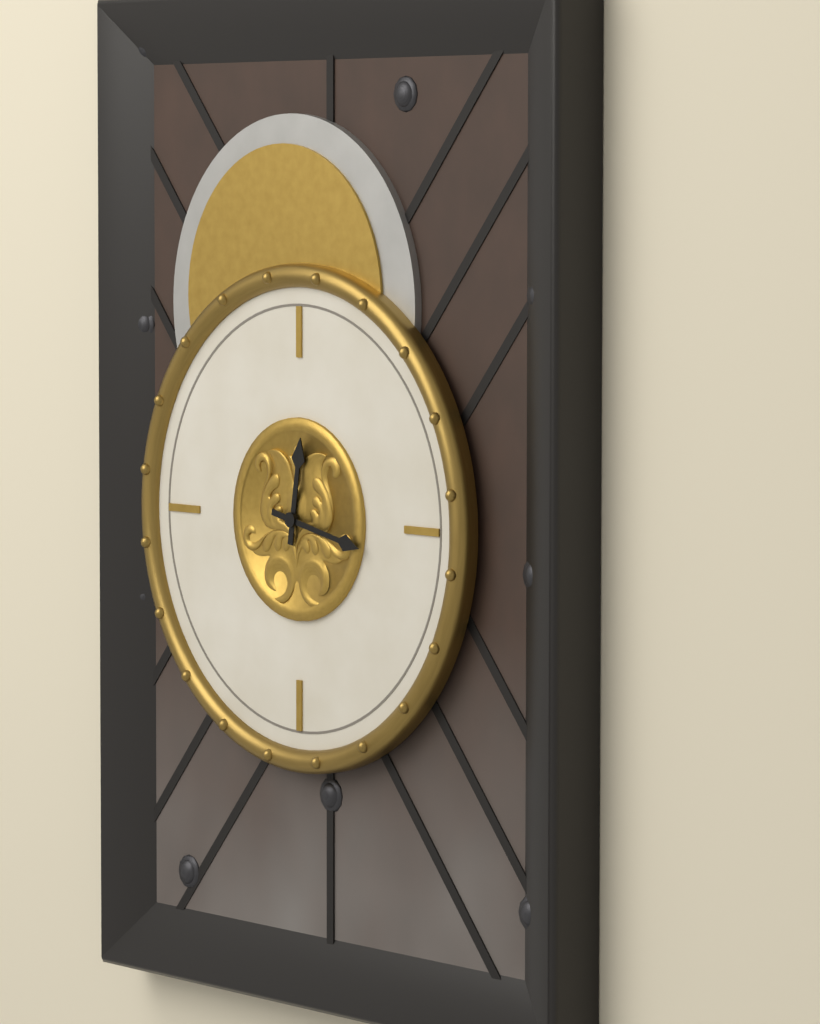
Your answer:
{"hour": 12, "minute": 17}
